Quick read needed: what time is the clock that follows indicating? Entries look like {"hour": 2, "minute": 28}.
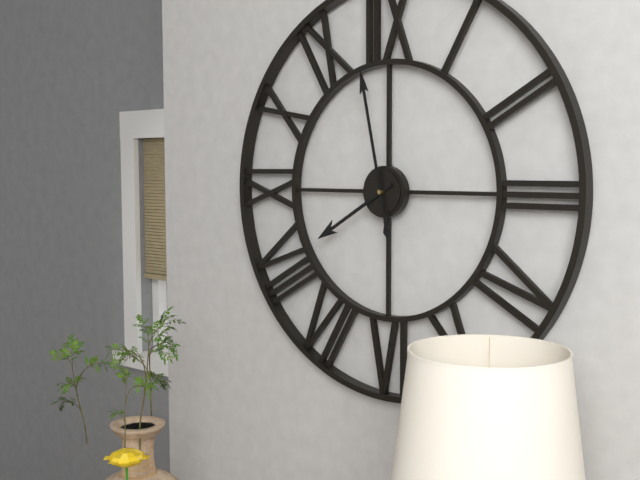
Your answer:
{"hour": 7, "minute": 58}
